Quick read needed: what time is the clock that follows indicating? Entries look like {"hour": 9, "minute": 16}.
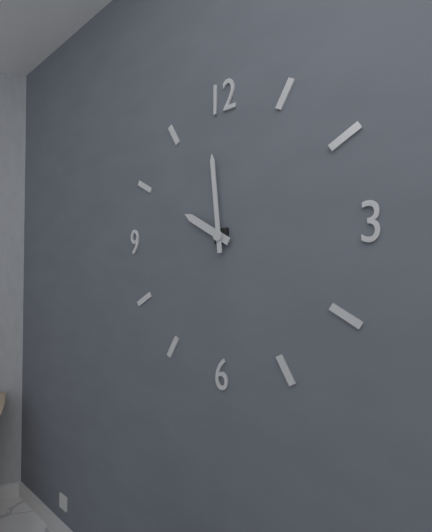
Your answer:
{"hour": 9, "minute": 59}
